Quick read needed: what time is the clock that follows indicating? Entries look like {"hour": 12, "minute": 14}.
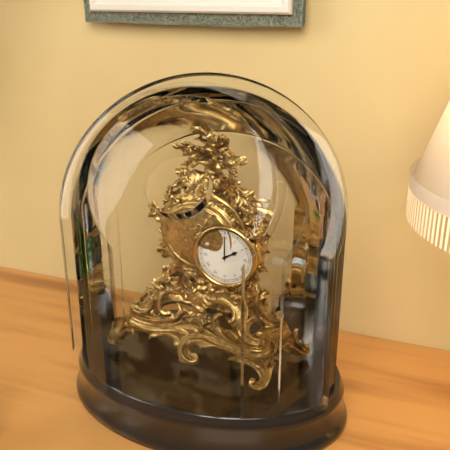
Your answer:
{"hour": 2, "minute": 0}
